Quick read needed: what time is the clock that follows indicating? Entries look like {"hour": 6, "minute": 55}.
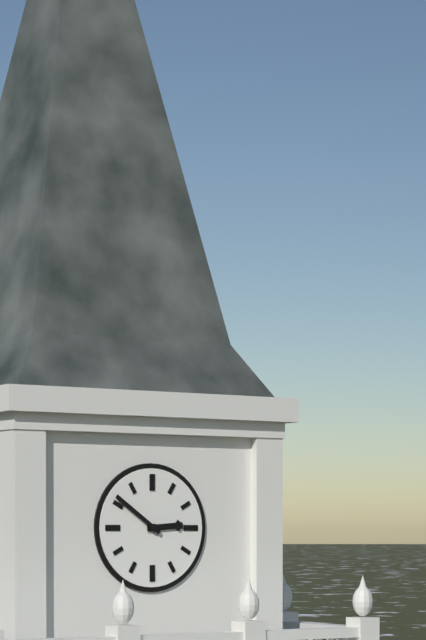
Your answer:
{"hour": 2, "minute": 51}
